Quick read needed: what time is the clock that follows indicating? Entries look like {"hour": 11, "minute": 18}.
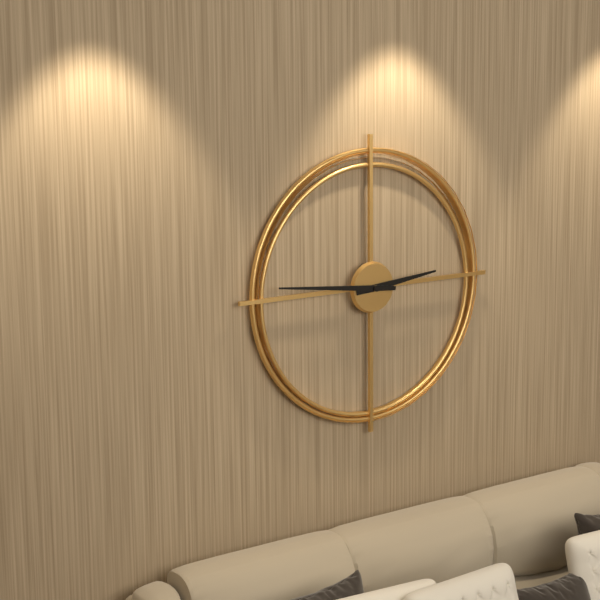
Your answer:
{"hour": 2, "minute": 46}
